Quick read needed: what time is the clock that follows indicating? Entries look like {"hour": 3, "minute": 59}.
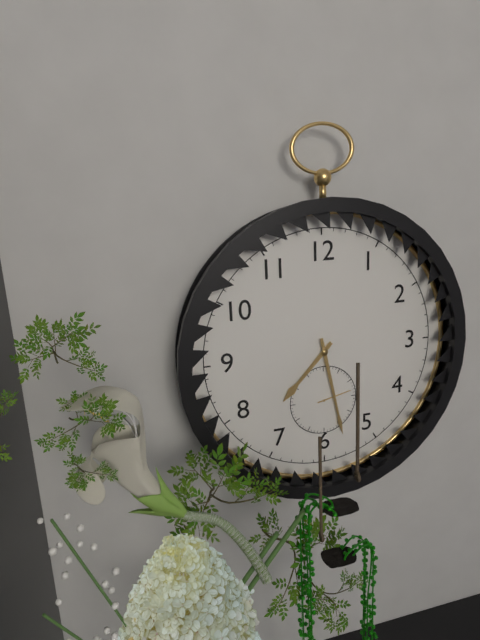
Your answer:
{"hour": 7, "minute": 28}
